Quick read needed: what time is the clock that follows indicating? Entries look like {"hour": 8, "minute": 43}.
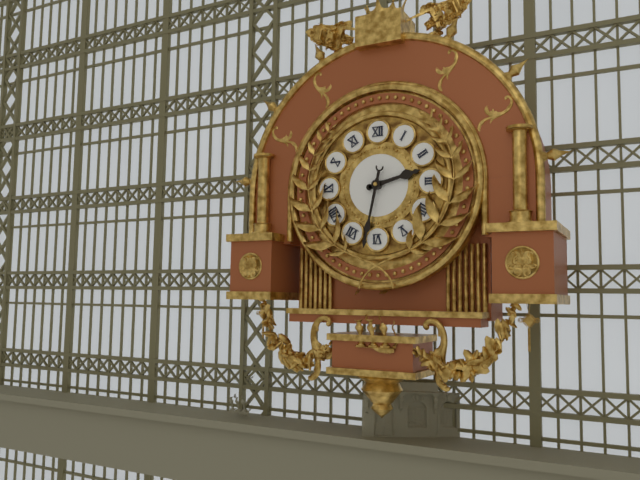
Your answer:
{"hour": 2, "minute": 32}
